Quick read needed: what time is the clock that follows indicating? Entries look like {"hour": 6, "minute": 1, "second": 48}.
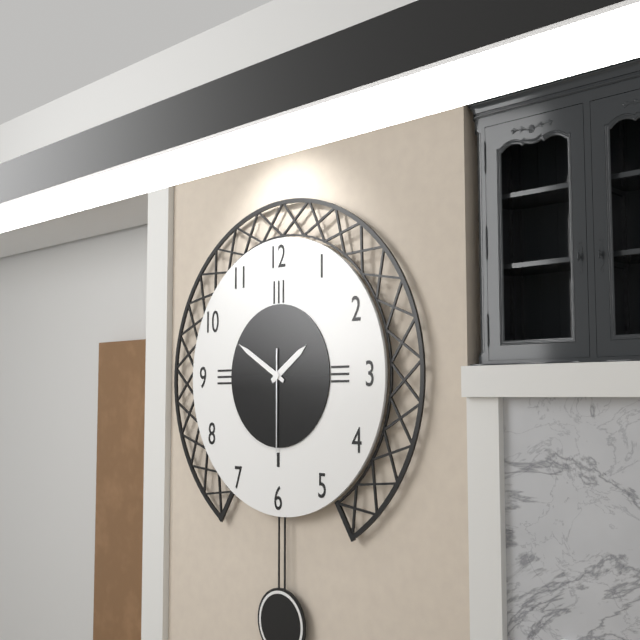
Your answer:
{"hour": 1, "minute": 50, "second": 30}
